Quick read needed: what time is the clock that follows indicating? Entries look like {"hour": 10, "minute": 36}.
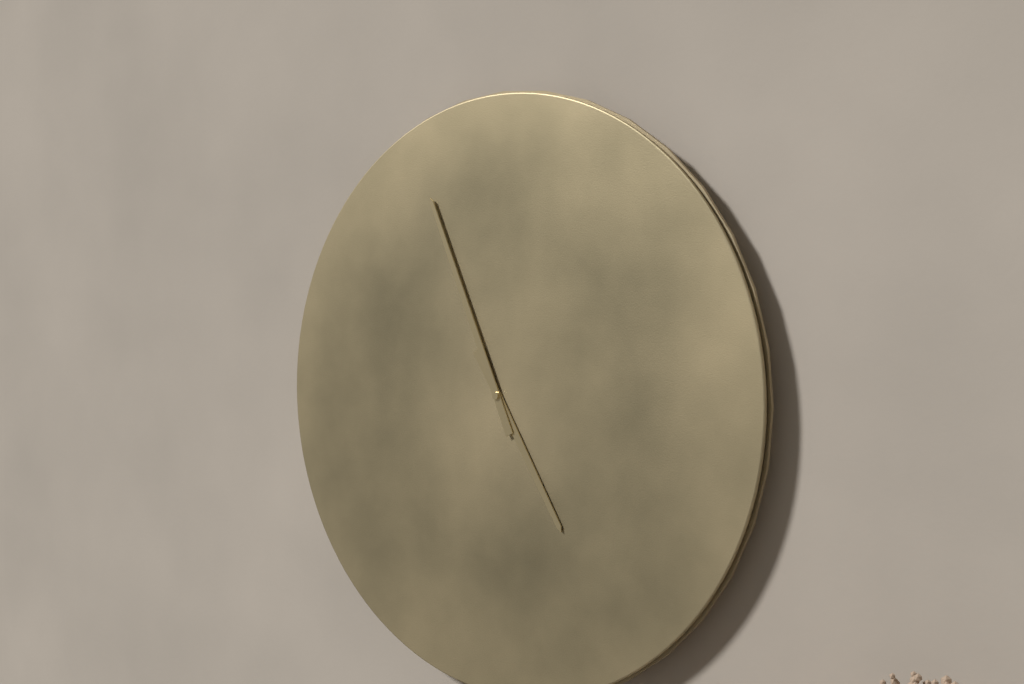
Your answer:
{"hour": 4, "minute": 56}
